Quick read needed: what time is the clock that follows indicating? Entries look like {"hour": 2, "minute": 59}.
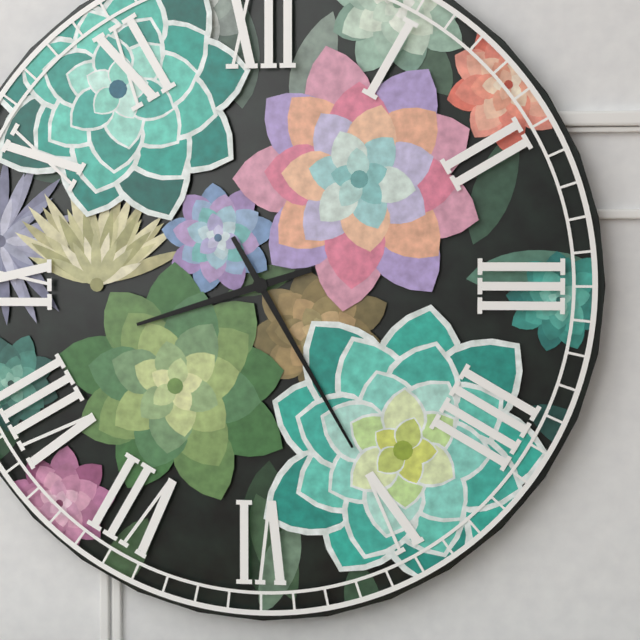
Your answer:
{"hour": 8, "minute": 25}
